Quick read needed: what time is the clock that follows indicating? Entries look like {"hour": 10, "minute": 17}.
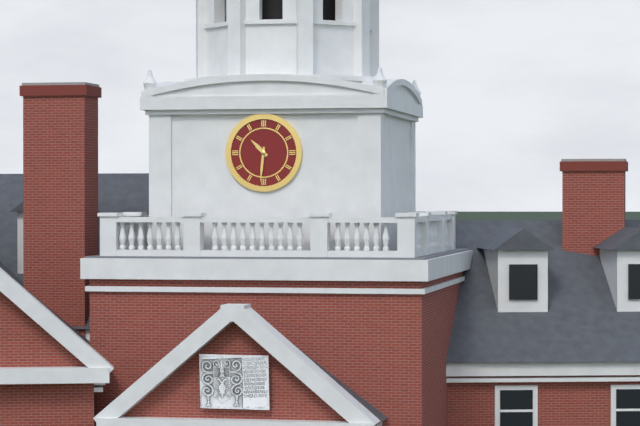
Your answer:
{"hour": 10, "minute": 31}
